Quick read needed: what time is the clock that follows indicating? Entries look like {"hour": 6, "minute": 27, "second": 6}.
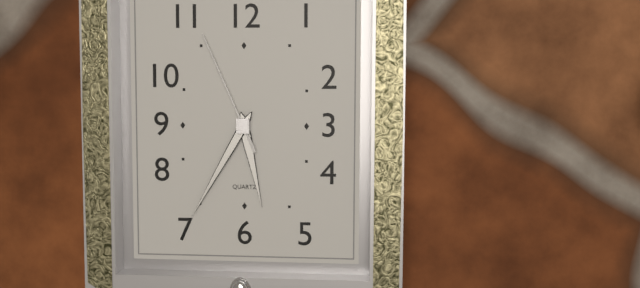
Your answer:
{"hour": 5, "minute": 35, "second": 56}
